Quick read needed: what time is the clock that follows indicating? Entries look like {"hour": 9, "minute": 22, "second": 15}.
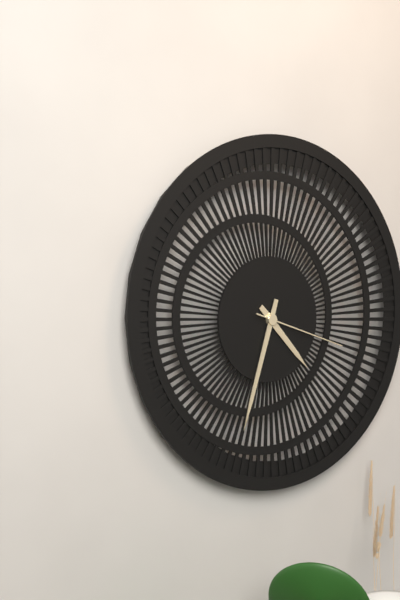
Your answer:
{"hour": 4, "minute": 33, "second": 18}
